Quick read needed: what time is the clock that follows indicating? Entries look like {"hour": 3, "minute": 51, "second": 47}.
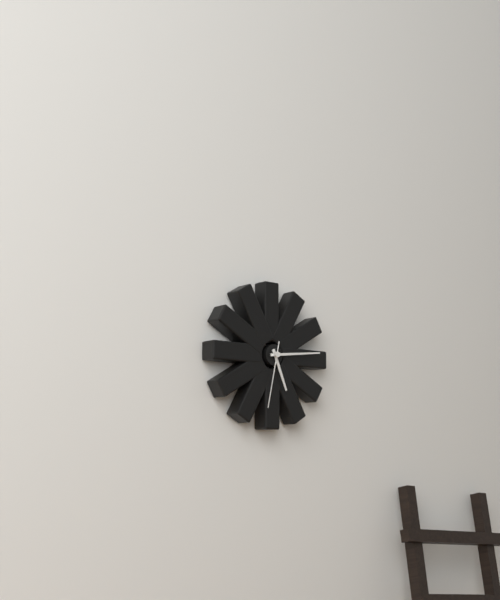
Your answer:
{"hour": 5, "minute": 14, "second": 32}
